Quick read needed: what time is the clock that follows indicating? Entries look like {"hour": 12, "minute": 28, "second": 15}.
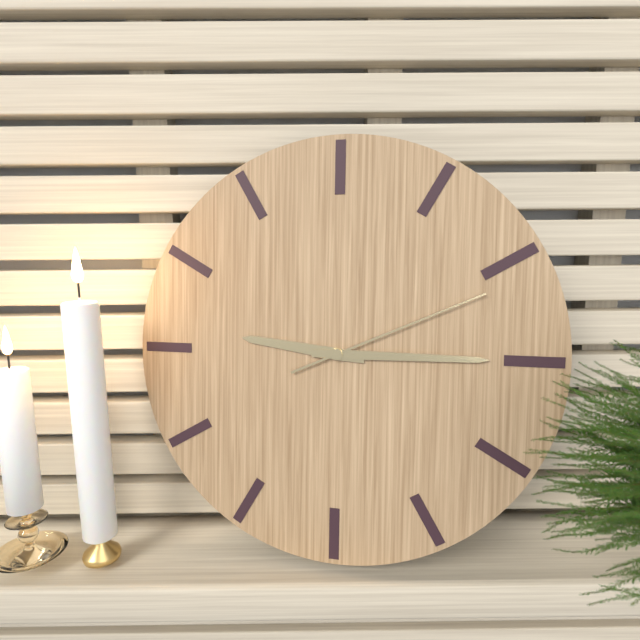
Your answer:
{"hour": 9, "minute": 15, "second": 11}
